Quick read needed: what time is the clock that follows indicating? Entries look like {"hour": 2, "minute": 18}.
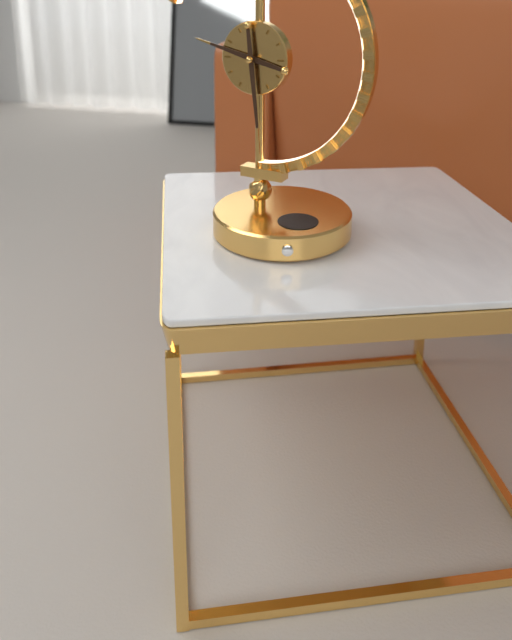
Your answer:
{"hour": 9, "minute": 29}
